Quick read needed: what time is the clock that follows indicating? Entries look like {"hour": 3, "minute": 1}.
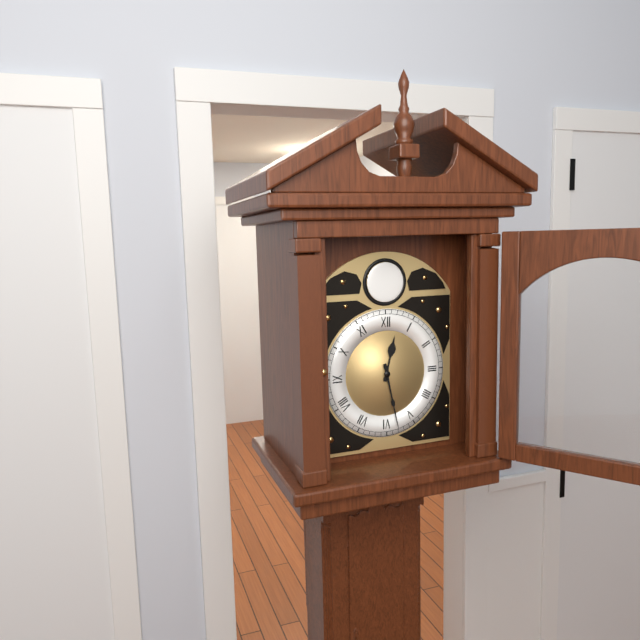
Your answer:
{"hour": 12, "minute": 28}
